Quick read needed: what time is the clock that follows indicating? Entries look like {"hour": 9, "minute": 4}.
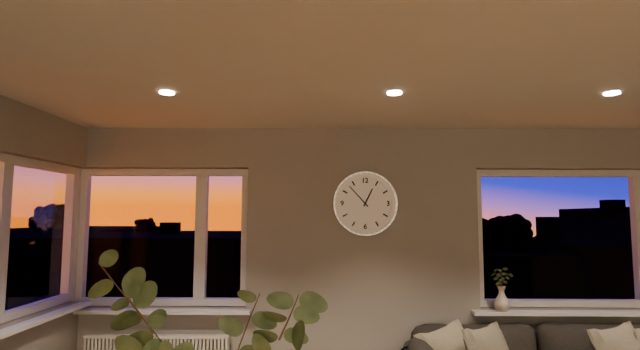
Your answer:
{"hour": 12, "minute": 53}
